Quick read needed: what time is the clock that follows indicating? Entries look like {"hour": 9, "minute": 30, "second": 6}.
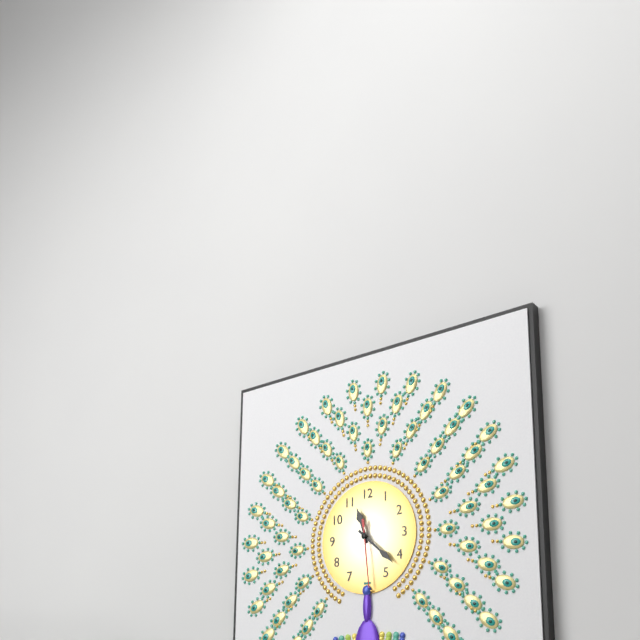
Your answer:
{"hour": 11, "minute": 22, "second": 29}
